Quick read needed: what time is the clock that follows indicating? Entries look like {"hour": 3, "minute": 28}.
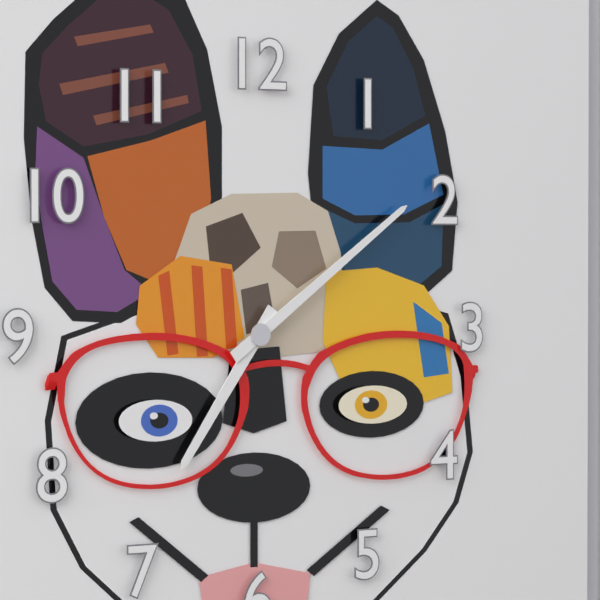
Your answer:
{"hour": 7, "minute": 9}
